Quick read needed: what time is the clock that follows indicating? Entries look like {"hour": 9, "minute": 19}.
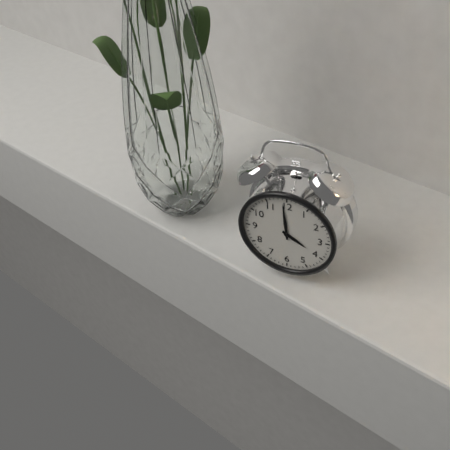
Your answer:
{"hour": 3, "minute": 59}
